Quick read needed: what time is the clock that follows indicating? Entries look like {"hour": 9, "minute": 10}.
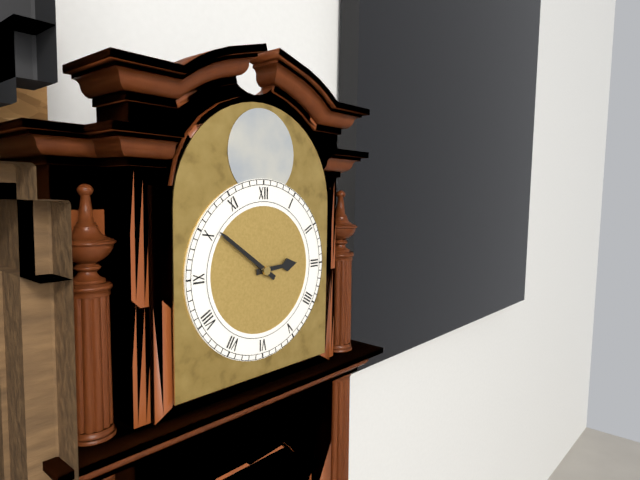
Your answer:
{"hour": 2, "minute": 51}
